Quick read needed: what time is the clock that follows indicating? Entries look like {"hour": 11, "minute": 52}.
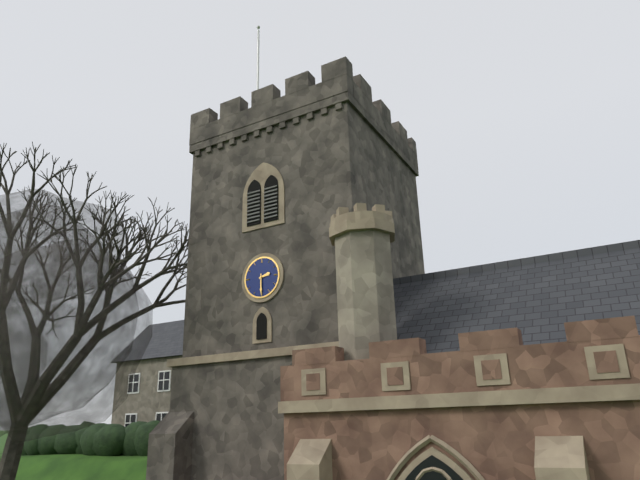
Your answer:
{"hour": 2, "minute": 30}
